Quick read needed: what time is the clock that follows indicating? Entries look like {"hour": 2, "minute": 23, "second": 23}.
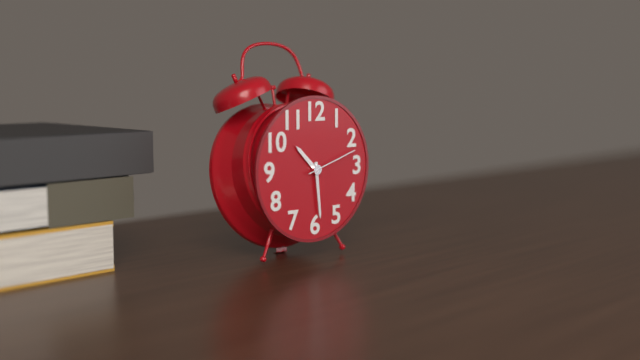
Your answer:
{"hour": 10, "minute": 29, "second": 12}
